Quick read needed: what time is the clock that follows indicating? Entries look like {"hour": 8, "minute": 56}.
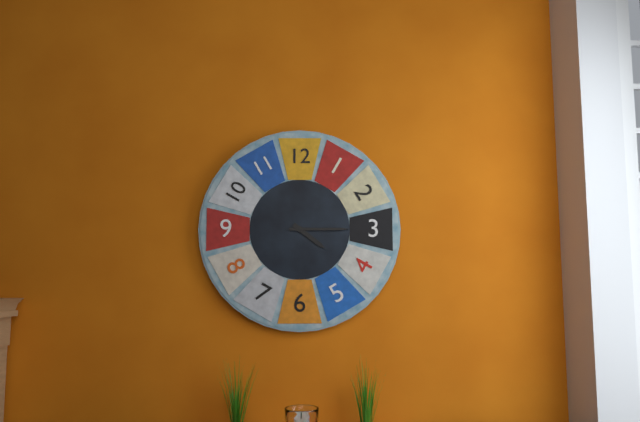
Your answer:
{"hour": 4, "minute": 15}
